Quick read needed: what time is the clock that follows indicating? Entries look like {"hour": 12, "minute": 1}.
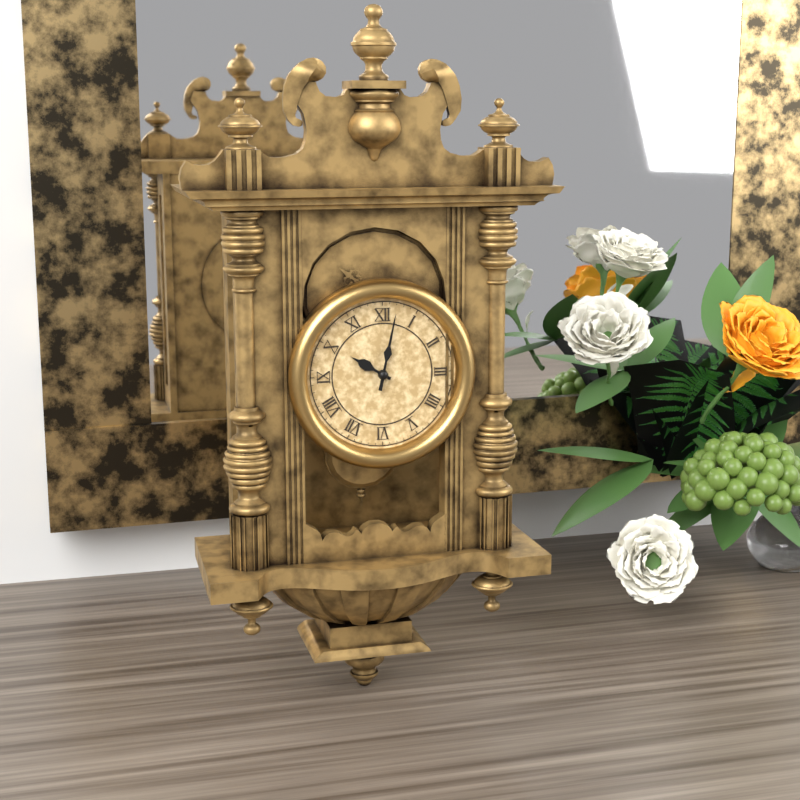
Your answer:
{"hour": 10, "minute": 2}
